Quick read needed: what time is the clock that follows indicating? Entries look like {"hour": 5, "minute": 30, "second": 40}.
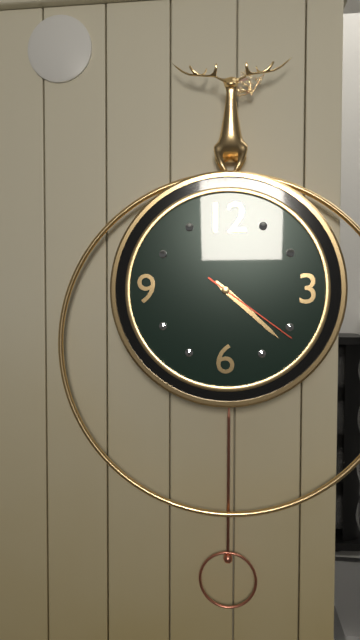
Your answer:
{"hour": 4, "minute": 22, "second": 21}
